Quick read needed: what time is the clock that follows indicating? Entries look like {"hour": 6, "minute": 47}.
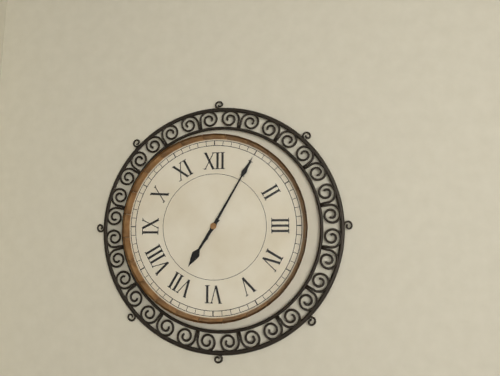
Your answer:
{"hour": 7, "minute": 5}
